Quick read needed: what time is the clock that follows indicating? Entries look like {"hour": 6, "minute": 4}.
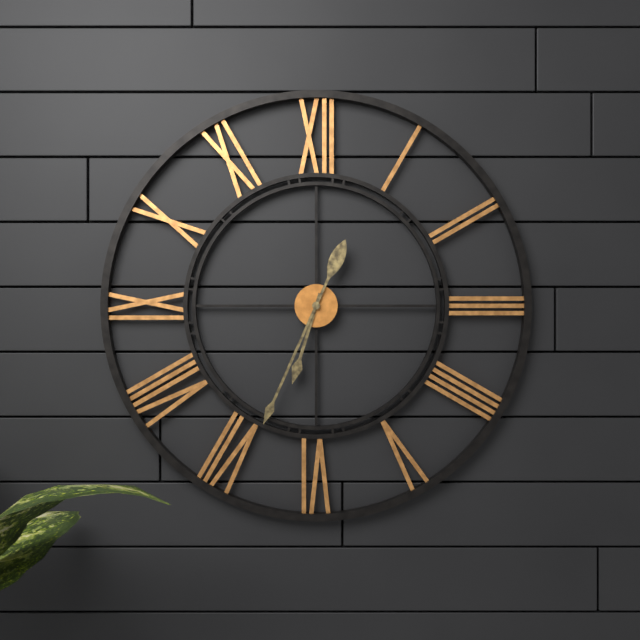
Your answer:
{"hour": 6, "minute": 34}
